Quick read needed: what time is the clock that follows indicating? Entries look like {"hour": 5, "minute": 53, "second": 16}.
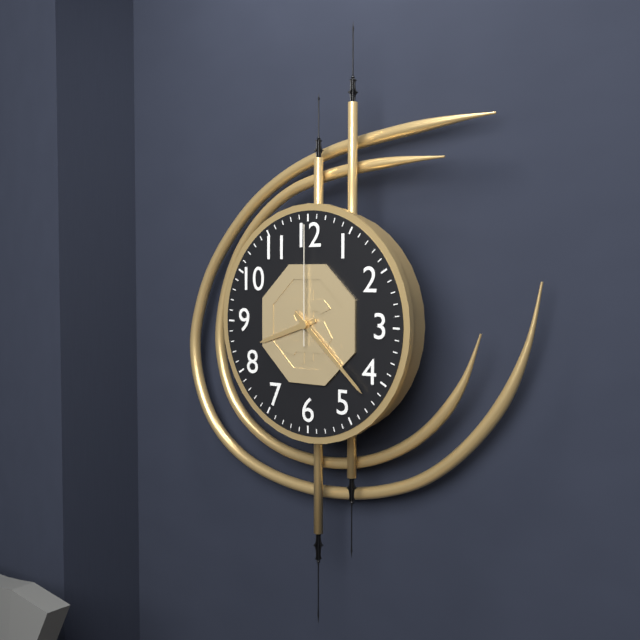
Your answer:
{"hour": 8, "minute": 22, "second": 0}
